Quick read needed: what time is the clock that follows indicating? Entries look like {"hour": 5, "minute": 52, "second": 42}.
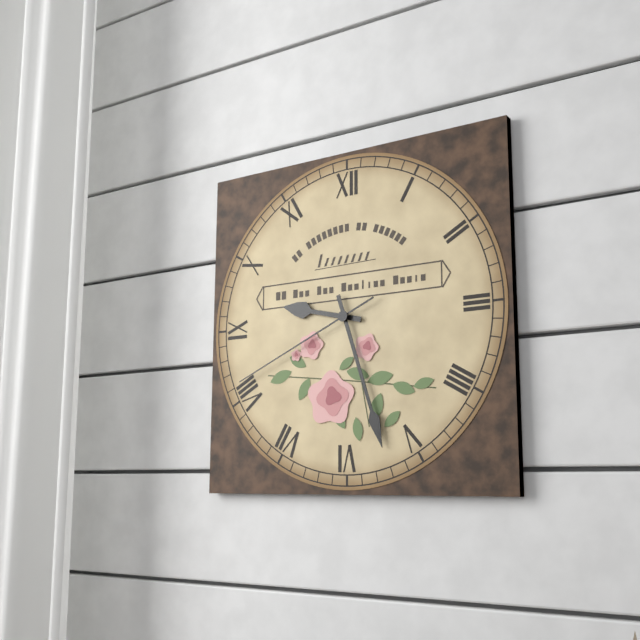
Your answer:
{"hour": 9, "minute": 27, "second": 41}
